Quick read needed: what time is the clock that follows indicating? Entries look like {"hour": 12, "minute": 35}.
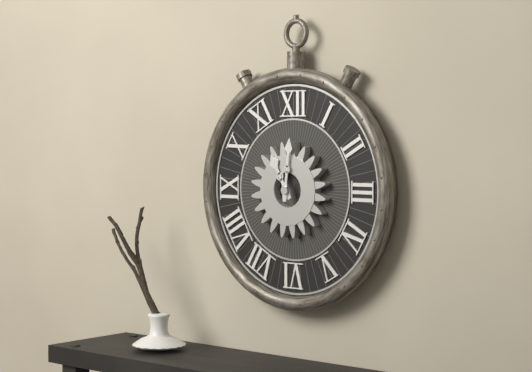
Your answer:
{"hour": 11, "minute": 1}
